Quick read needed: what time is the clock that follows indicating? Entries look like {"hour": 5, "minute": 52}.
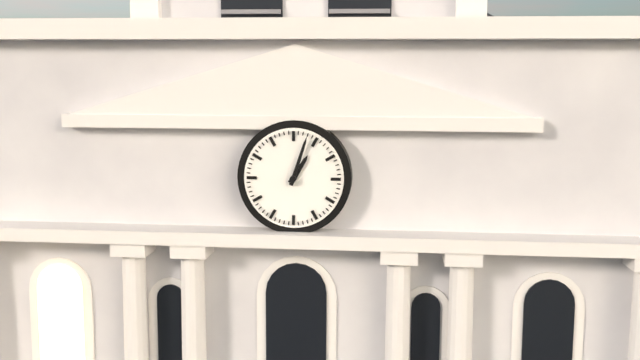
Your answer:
{"hour": 1, "minute": 3}
